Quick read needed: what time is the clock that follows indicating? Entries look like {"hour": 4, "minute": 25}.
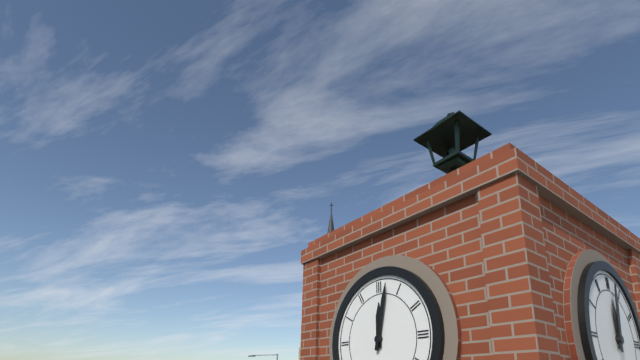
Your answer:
{"hour": 12, "minute": 2}
